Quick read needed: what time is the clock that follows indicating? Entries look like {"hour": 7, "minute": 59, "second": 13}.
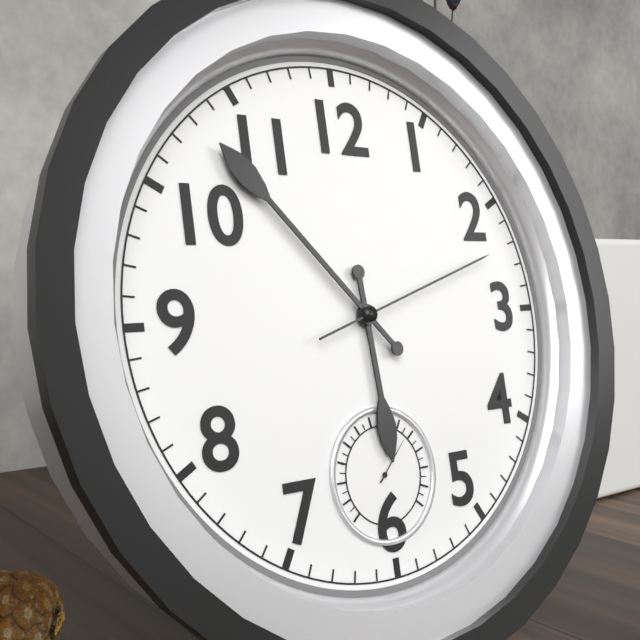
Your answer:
{"hour": 5, "minute": 53, "second": 12}
